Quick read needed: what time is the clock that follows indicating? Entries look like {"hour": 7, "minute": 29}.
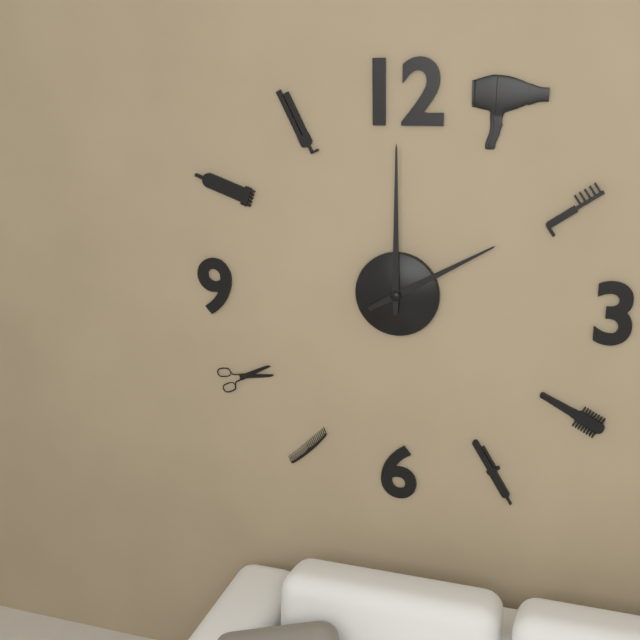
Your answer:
{"hour": 2, "minute": 0}
